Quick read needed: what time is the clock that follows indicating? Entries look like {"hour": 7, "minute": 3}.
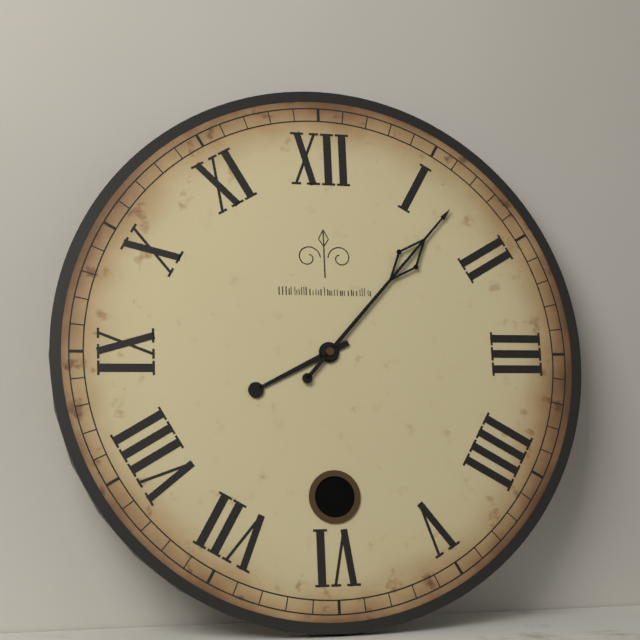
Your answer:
{"hour": 8, "minute": 7}
